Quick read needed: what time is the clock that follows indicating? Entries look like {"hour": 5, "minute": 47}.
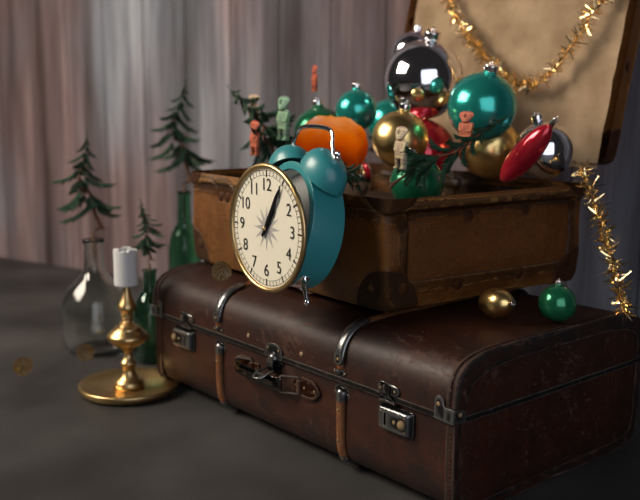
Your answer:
{"hour": 1, "minute": 5}
